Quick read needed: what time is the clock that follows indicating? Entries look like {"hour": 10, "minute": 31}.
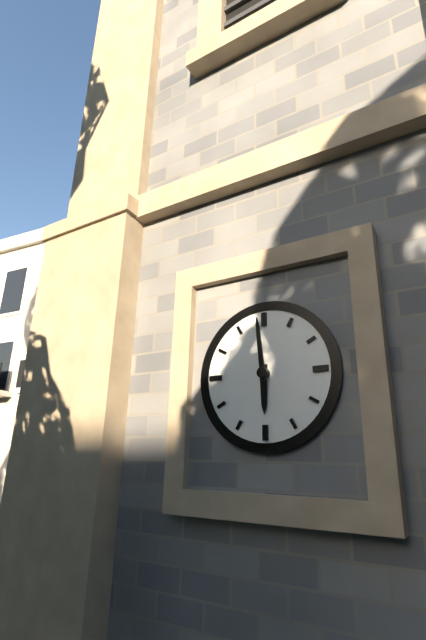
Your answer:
{"hour": 5, "minute": 59}
